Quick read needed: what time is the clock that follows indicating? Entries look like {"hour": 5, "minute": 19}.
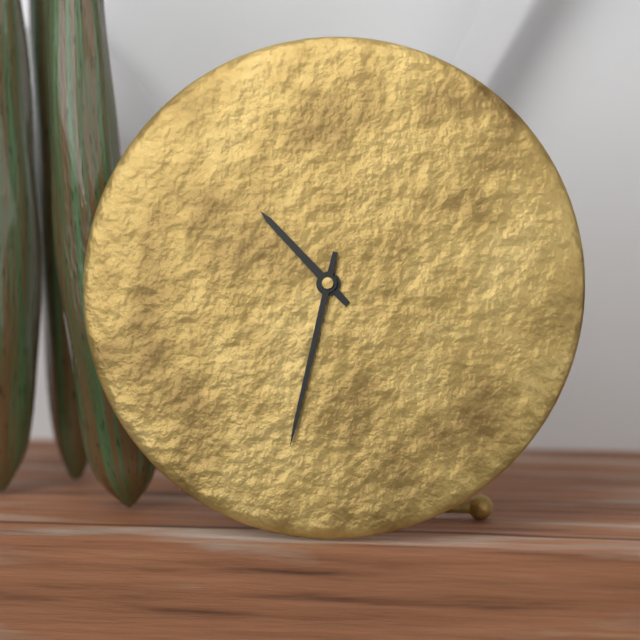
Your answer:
{"hour": 10, "minute": 32}
